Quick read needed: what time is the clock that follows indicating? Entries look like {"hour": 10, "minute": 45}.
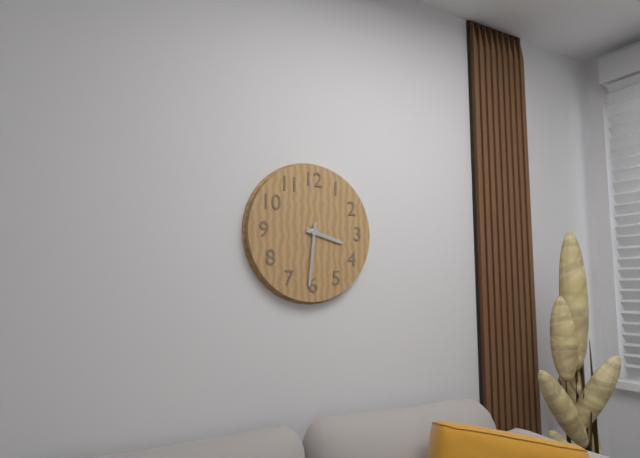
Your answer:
{"hour": 3, "minute": 31}
